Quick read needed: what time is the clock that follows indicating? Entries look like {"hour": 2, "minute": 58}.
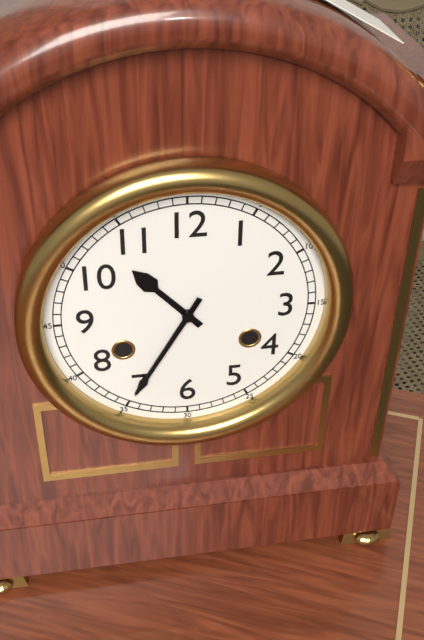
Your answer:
{"hour": 10, "minute": 35}
